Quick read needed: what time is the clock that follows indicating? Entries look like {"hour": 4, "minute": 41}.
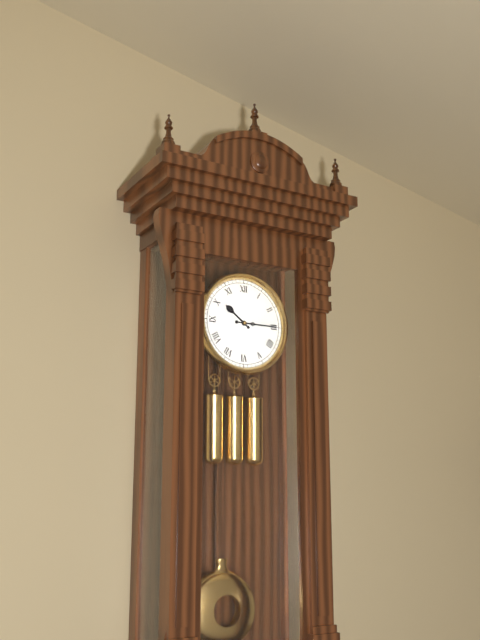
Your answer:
{"hour": 10, "minute": 15}
